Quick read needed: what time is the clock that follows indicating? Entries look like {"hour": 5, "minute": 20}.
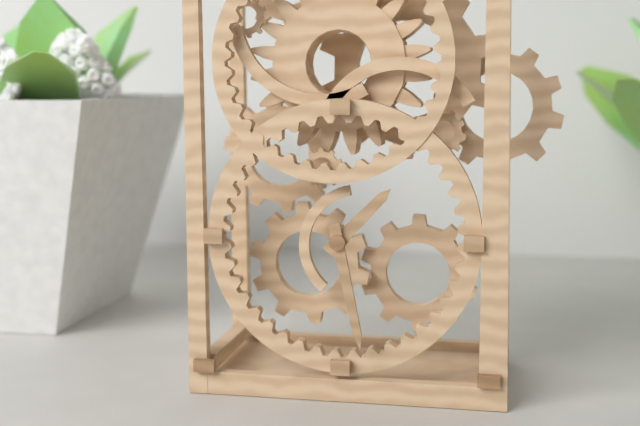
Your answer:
{"hour": 1, "minute": 28}
